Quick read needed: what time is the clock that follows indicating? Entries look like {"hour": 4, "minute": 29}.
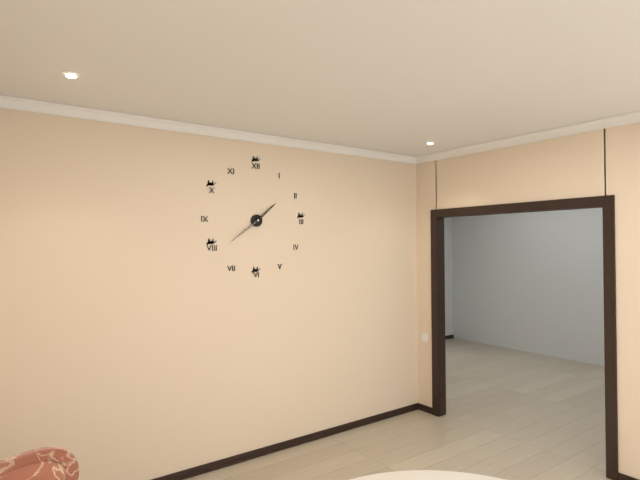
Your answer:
{"hour": 1, "minute": 39}
